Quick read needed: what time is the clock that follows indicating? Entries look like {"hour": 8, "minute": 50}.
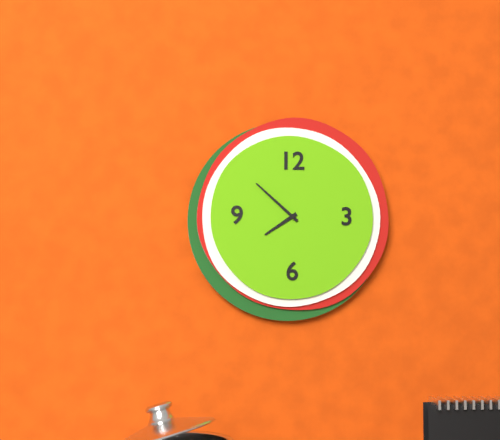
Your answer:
{"hour": 7, "minute": 52}
